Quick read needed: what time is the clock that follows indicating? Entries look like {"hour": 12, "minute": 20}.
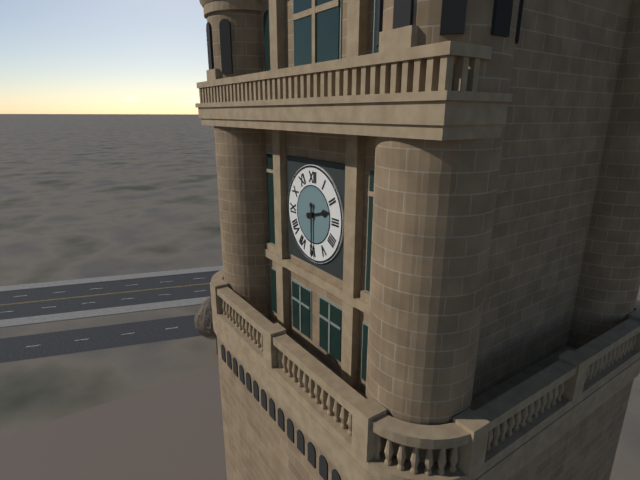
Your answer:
{"hour": 2, "minute": 30}
